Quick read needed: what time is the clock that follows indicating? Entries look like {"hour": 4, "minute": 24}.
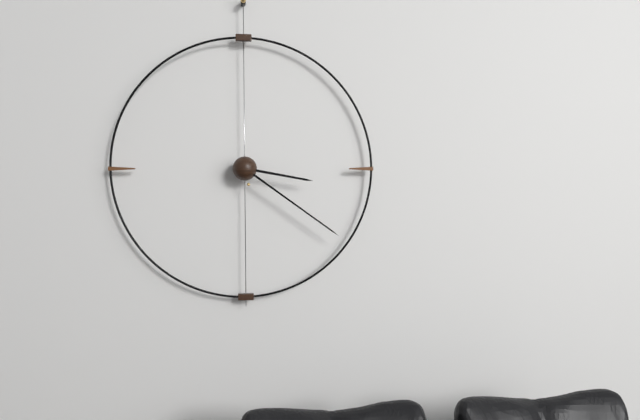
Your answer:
{"hour": 3, "minute": 21}
